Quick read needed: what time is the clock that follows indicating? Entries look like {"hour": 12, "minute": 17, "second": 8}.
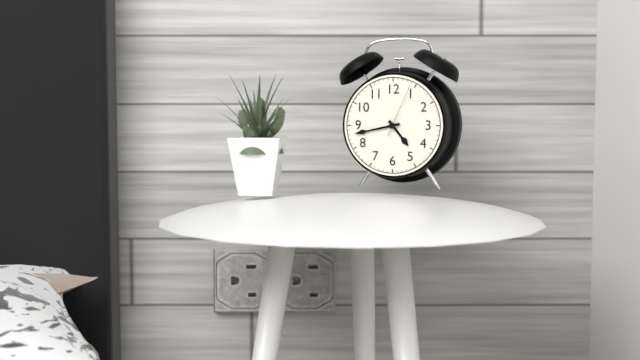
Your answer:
{"hour": 4, "minute": 43, "second": 4}
